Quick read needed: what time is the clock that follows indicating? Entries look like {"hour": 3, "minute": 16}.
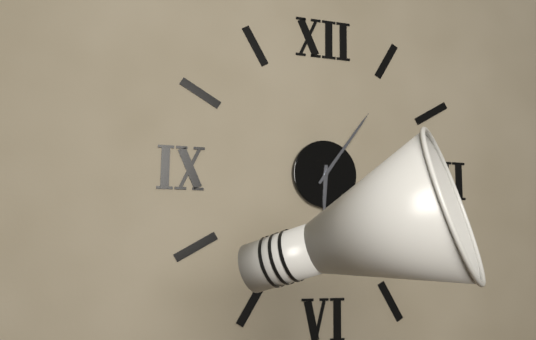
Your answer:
{"hour": 6, "minute": 6}
